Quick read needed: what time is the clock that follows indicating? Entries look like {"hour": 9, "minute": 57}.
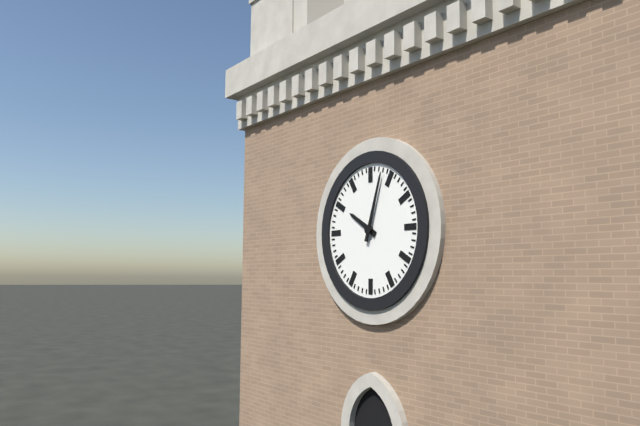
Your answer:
{"hour": 10, "minute": 3}
